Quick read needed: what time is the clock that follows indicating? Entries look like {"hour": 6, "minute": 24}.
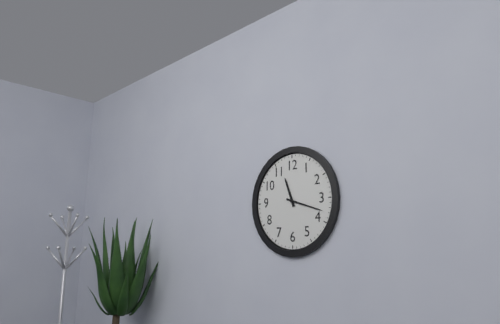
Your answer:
{"hour": 11, "minute": 18}
